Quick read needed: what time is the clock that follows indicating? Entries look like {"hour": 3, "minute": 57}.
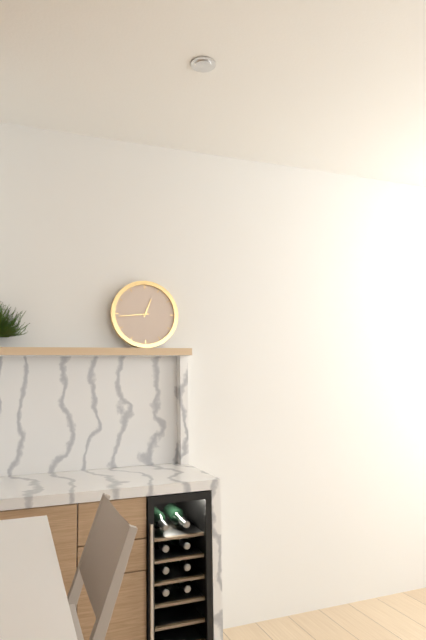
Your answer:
{"hour": 12, "minute": 44}
